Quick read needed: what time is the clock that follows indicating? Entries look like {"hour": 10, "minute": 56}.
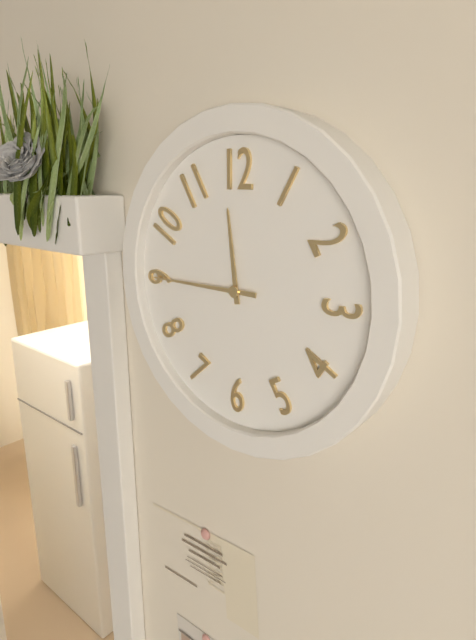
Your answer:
{"hour": 11, "minute": 45}
